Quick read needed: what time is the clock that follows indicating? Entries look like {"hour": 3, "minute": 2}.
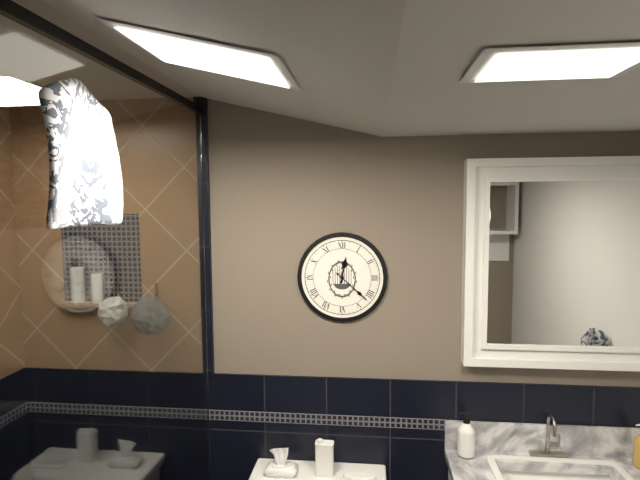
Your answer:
{"hour": 12, "minute": 22}
